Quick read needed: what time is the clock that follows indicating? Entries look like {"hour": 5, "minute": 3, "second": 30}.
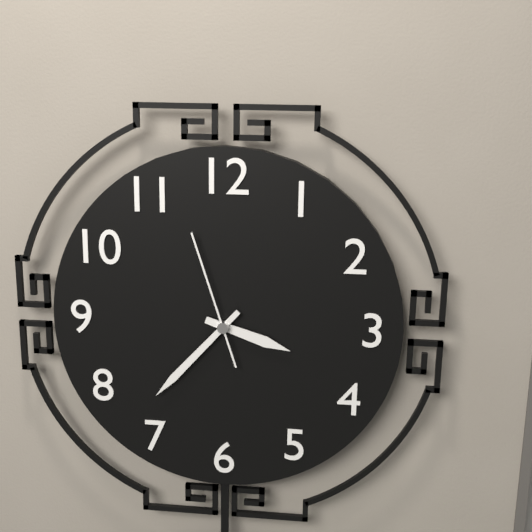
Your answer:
{"hour": 3, "minute": 37, "second": 57}
